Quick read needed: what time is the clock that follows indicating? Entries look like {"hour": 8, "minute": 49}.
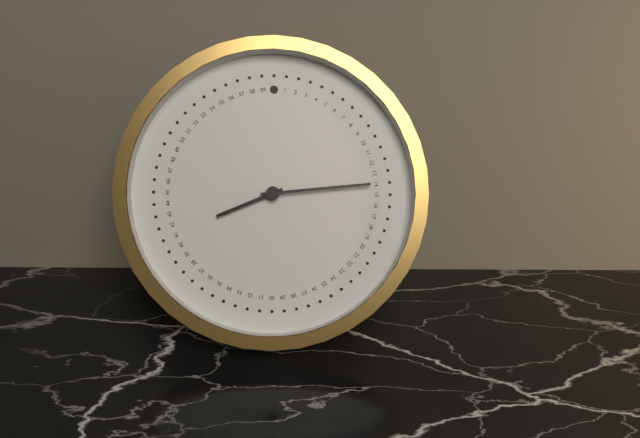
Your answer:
{"hour": 8, "minute": 14}
